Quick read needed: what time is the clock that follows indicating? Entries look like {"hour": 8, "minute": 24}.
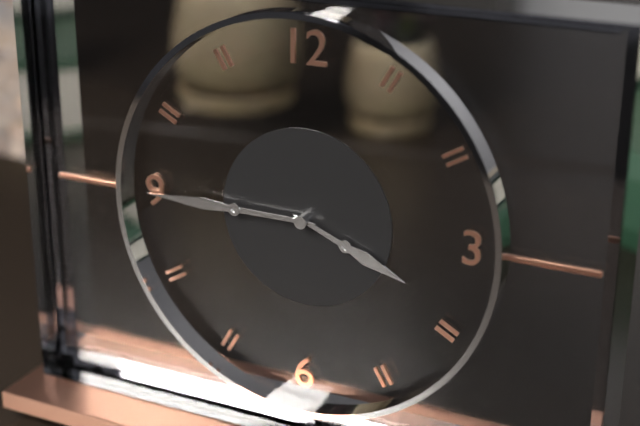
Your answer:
{"hour": 3, "minute": 45}
